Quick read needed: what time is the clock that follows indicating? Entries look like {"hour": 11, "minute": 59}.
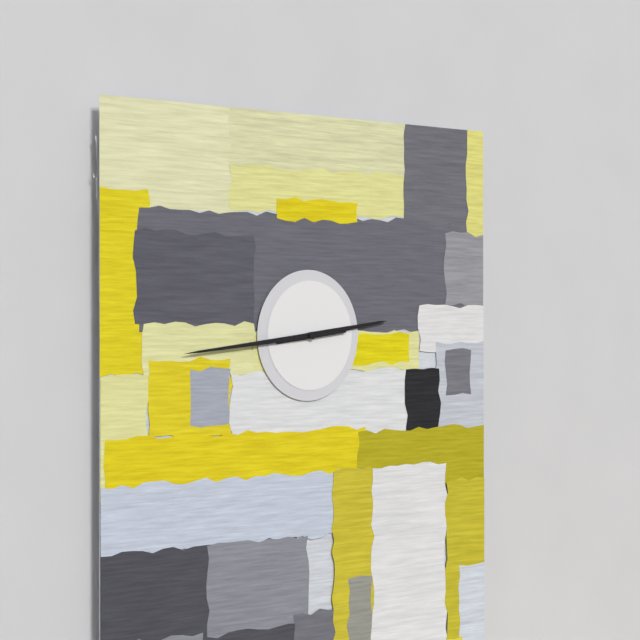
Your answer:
{"hour": 2, "minute": 44}
